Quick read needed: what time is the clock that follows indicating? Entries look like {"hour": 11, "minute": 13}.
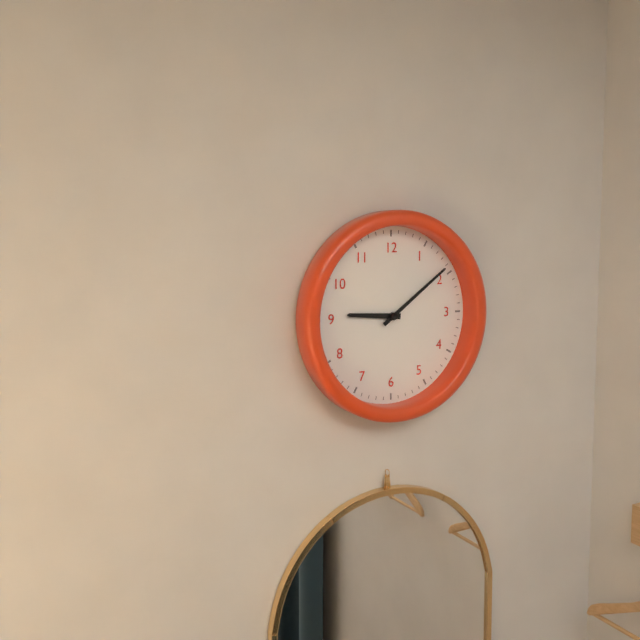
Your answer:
{"hour": 9, "minute": 9}
